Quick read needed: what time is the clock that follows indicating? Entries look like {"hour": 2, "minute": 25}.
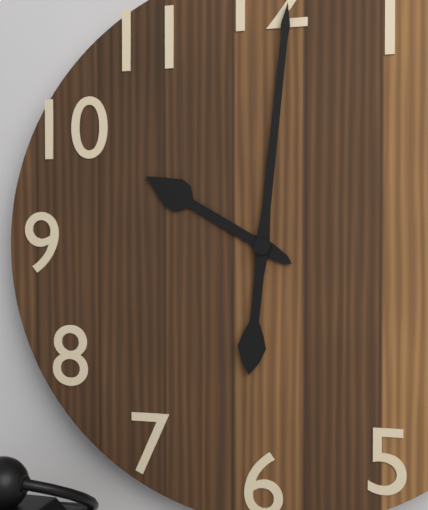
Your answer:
{"hour": 10, "minute": 1}
